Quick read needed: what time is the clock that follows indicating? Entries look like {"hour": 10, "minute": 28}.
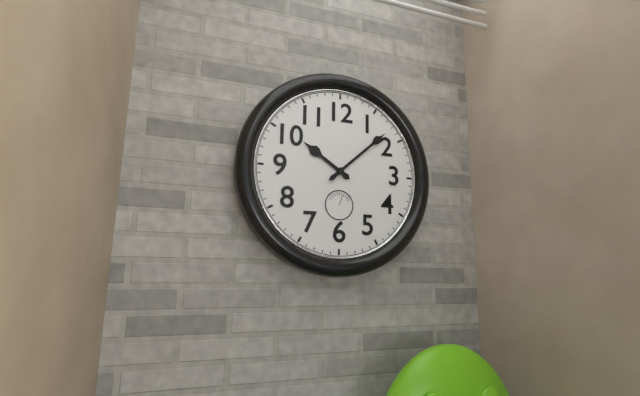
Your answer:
{"hour": 10, "minute": 8}
